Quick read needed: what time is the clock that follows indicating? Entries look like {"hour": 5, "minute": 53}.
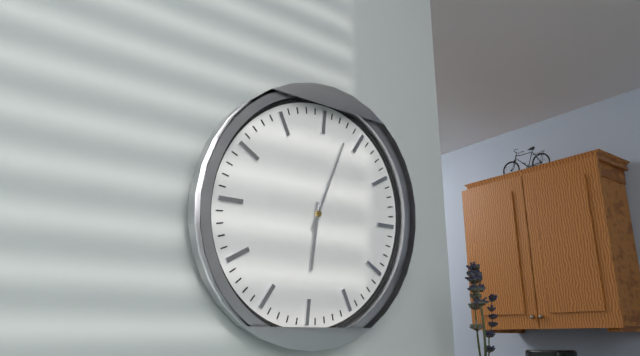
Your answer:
{"hour": 6, "minute": 3}
